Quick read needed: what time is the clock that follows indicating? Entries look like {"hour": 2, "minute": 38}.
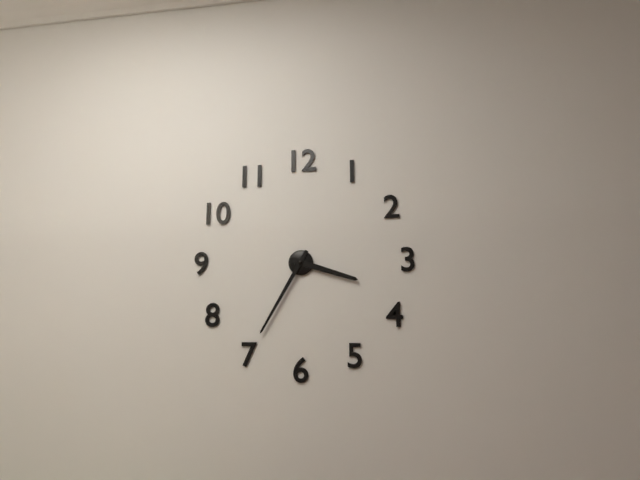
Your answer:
{"hour": 3, "minute": 35}
